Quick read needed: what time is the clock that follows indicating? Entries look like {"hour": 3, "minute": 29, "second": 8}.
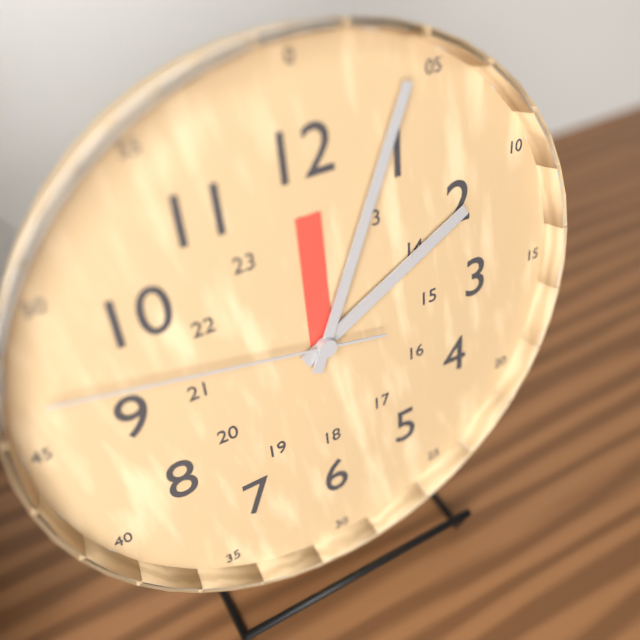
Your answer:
{"hour": 2, "minute": 4, "second": 47}
